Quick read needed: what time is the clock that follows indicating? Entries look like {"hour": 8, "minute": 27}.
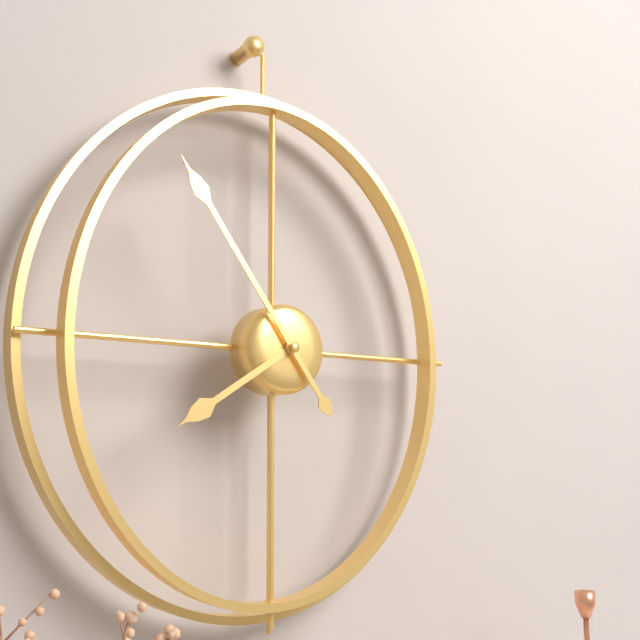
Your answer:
{"hour": 7, "minute": 54}
